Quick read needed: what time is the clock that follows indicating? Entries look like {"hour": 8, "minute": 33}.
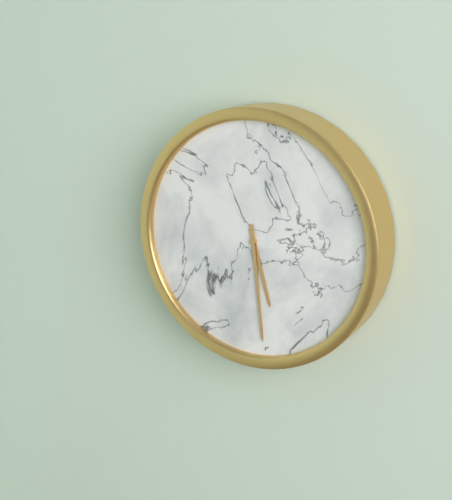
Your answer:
{"hour": 5, "minute": 29}
